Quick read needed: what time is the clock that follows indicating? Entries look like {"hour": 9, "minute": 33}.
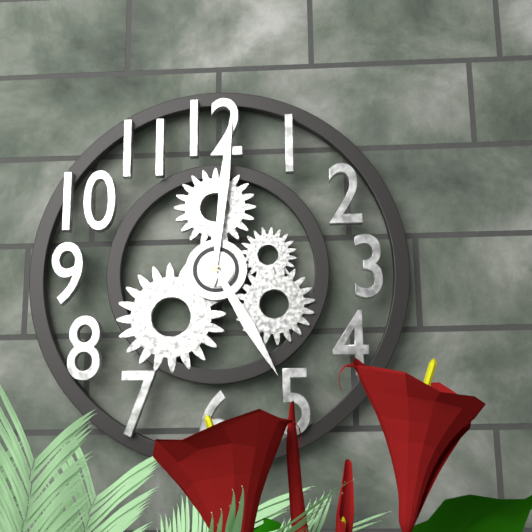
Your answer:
{"hour": 5, "minute": 1}
